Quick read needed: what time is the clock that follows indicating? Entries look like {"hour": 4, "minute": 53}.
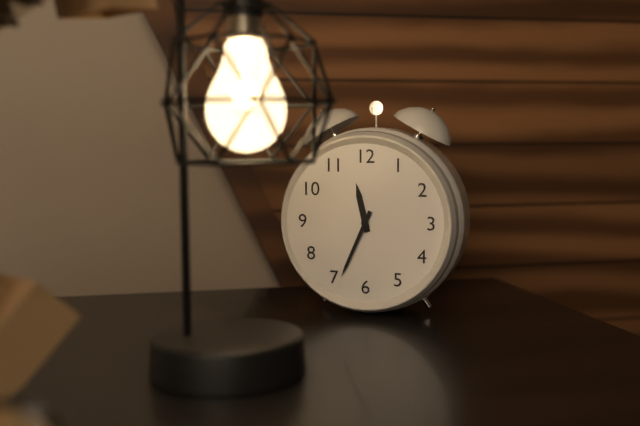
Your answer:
{"hour": 11, "minute": 34}
